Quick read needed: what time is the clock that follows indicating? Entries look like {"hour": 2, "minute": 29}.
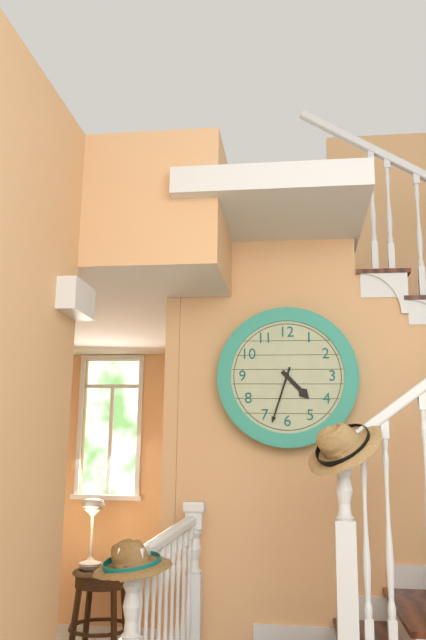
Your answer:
{"hour": 4, "minute": 33}
